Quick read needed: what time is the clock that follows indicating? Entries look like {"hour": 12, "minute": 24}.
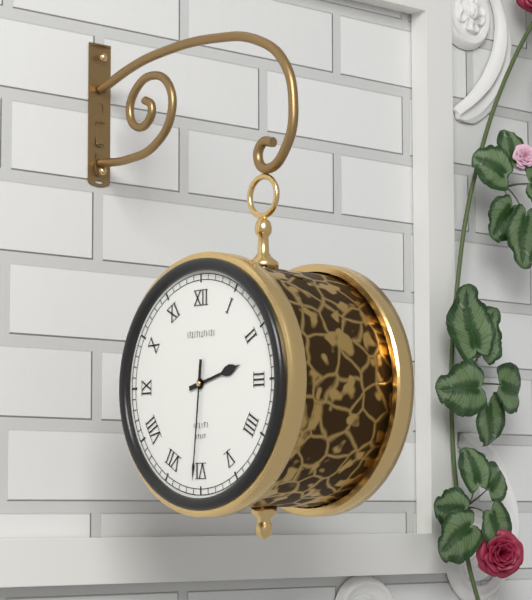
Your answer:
{"hour": 2, "minute": 31}
